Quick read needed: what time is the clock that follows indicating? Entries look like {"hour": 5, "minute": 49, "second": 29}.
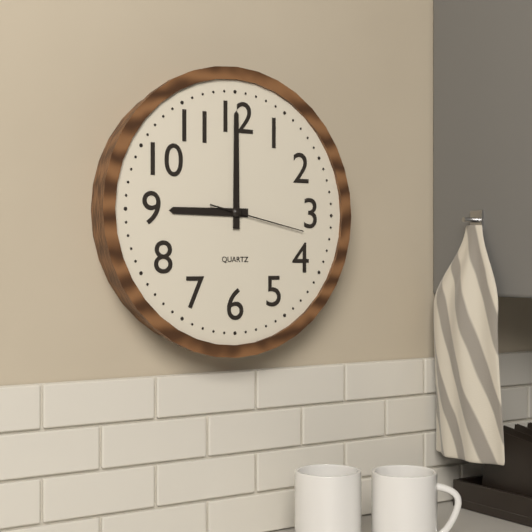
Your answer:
{"hour": 9, "minute": 0, "second": 17}
